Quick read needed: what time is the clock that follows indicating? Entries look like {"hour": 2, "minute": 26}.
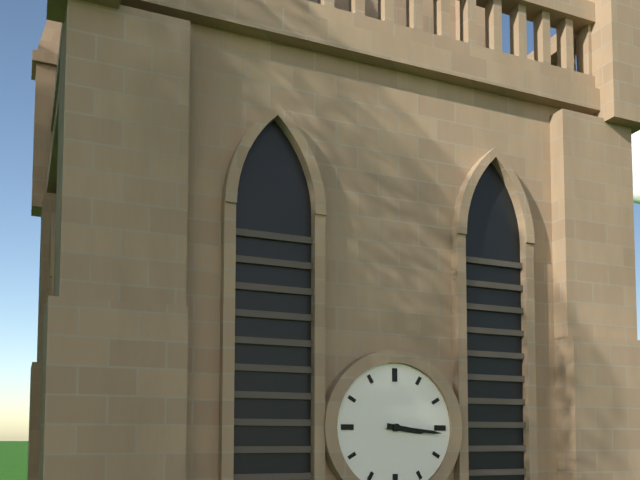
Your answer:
{"hour": 3, "minute": 16}
